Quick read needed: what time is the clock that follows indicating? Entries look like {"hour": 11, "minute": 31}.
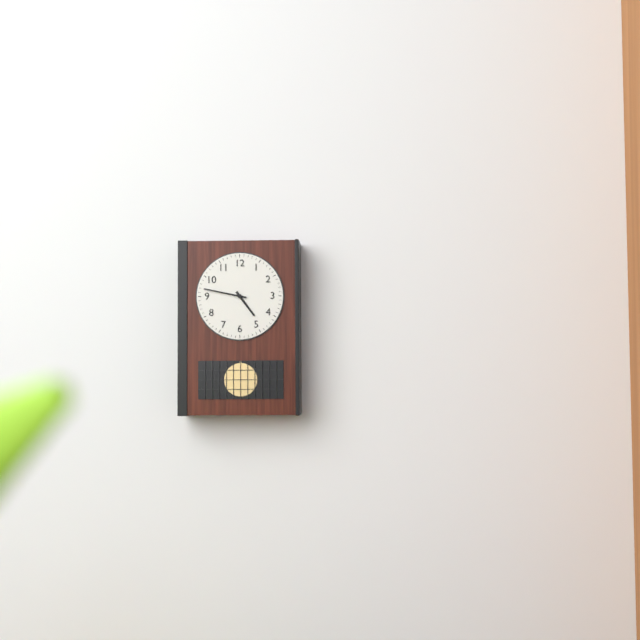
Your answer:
{"hour": 4, "minute": 47}
